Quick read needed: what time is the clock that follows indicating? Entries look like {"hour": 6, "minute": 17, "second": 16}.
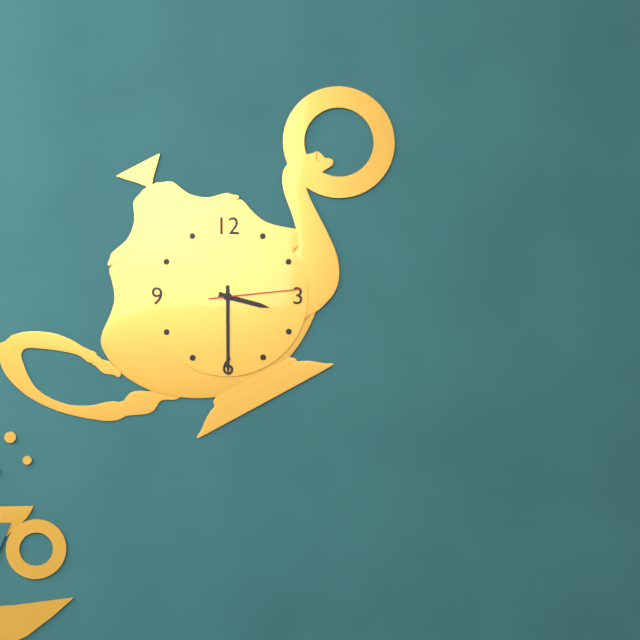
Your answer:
{"hour": 3, "minute": 30, "second": 14}
